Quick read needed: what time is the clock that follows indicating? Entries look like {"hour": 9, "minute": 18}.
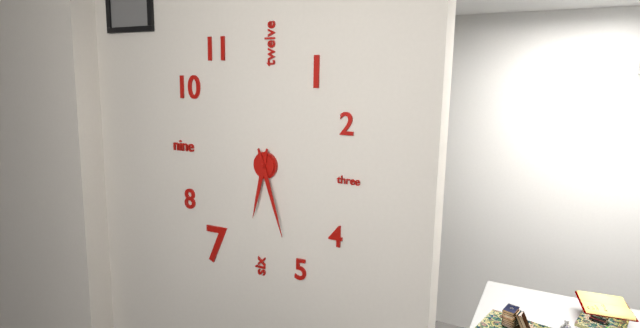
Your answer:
{"hour": 6, "minute": 27}
